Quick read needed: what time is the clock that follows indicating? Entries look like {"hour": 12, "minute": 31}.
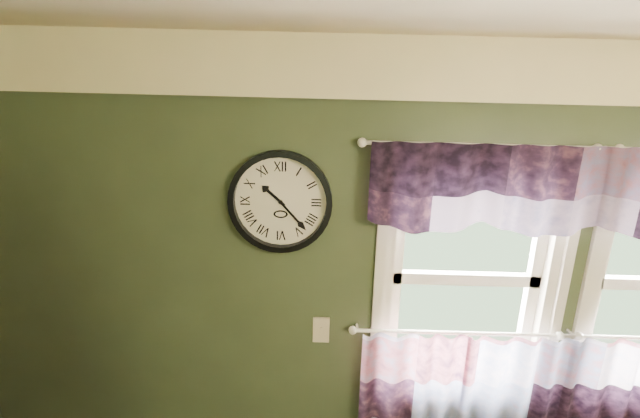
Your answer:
{"hour": 10, "minute": 23}
